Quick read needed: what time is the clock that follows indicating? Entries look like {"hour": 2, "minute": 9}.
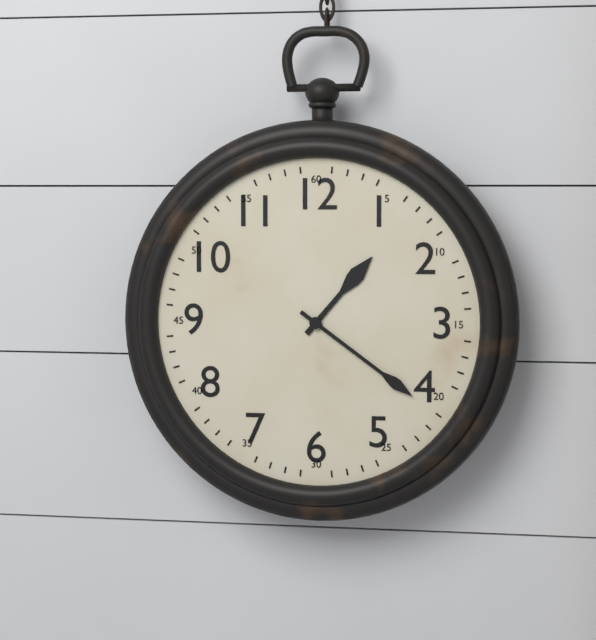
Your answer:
{"hour": 1, "minute": 21}
